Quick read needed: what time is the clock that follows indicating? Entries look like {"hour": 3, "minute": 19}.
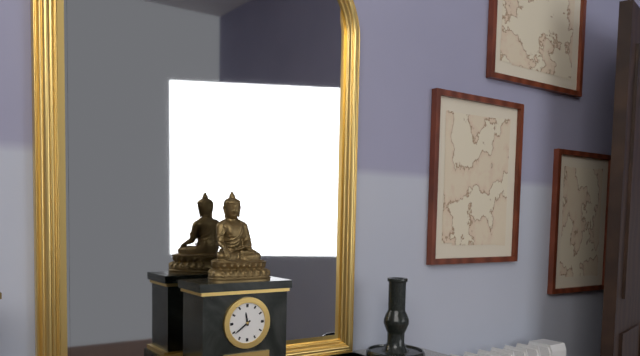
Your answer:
{"hour": 11, "minute": 39}
